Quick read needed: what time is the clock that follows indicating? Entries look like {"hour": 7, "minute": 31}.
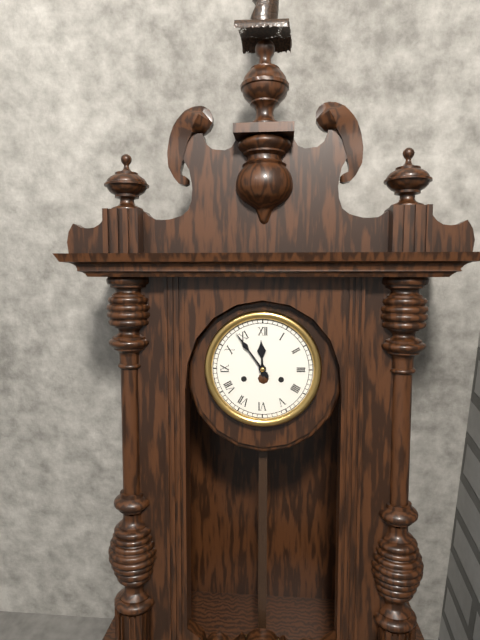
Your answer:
{"hour": 11, "minute": 54}
